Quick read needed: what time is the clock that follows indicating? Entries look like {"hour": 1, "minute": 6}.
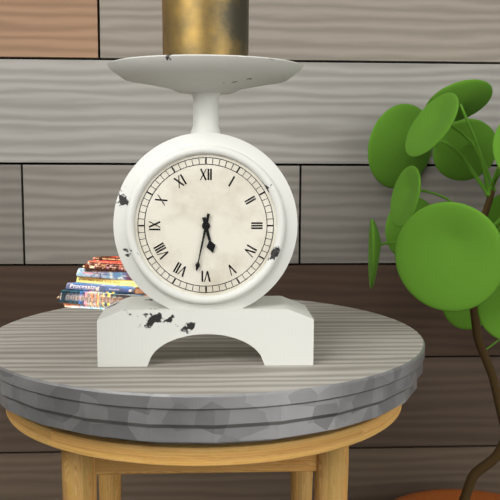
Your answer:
{"hour": 5, "minute": 32}
